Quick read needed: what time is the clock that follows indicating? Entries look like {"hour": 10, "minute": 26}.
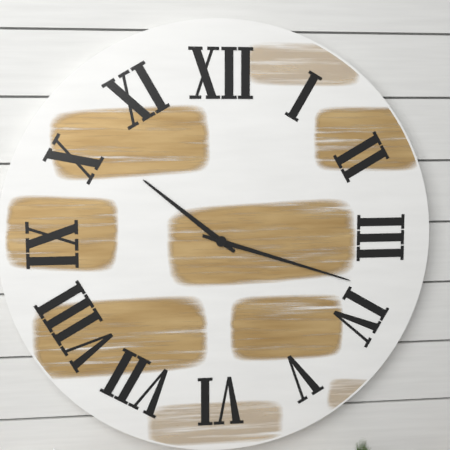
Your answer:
{"hour": 10, "minute": 18}
